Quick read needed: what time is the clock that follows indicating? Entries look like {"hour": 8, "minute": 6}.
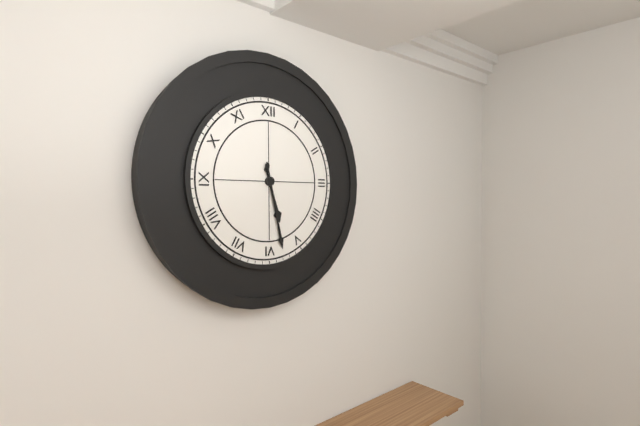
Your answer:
{"hour": 5, "minute": 28}
